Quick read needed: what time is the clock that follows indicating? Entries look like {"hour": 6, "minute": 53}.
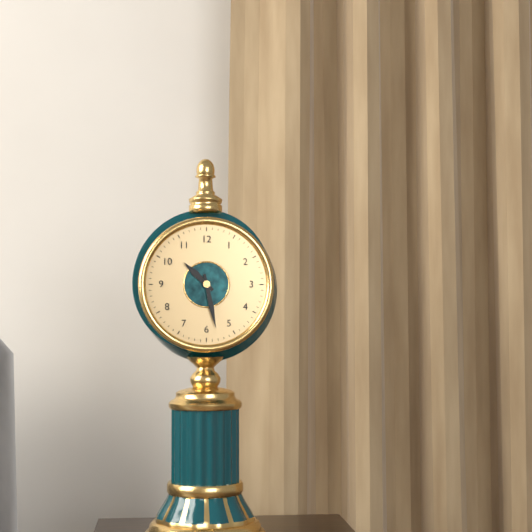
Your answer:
{"hour": 10, "minute": 28}
